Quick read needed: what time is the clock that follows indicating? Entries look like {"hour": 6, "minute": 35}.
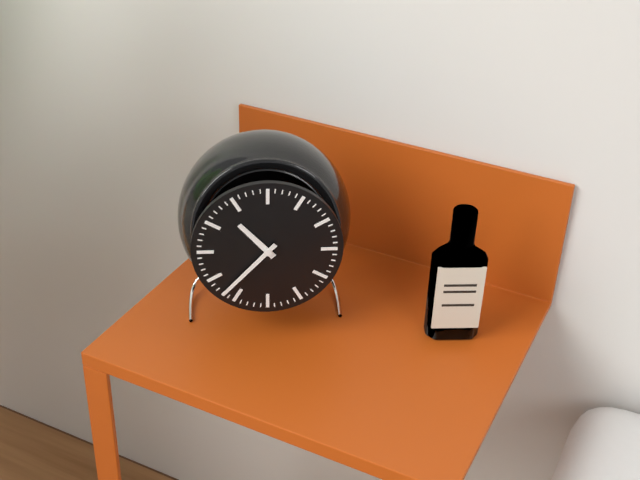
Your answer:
{"hour": 10, "minute": 37}
